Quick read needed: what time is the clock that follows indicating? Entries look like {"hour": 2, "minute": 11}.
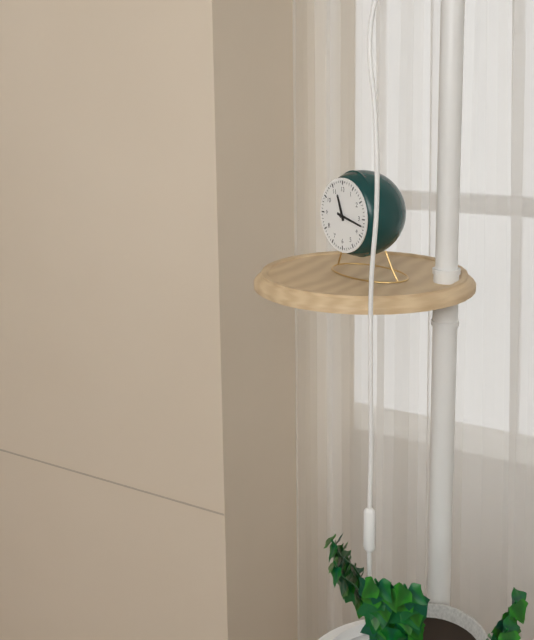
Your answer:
{"hour": 11, "minute": 17}
